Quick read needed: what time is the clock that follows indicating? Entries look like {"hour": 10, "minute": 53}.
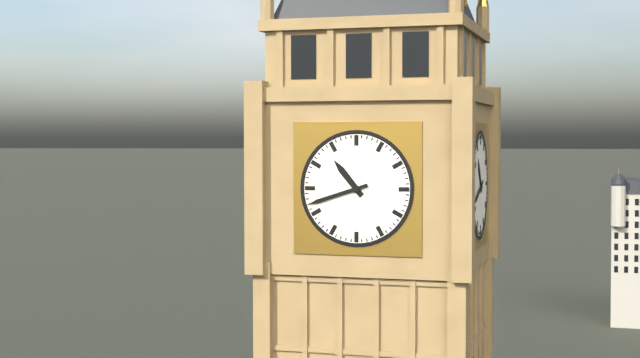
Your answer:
{"hour": 10, "minute": 42}
